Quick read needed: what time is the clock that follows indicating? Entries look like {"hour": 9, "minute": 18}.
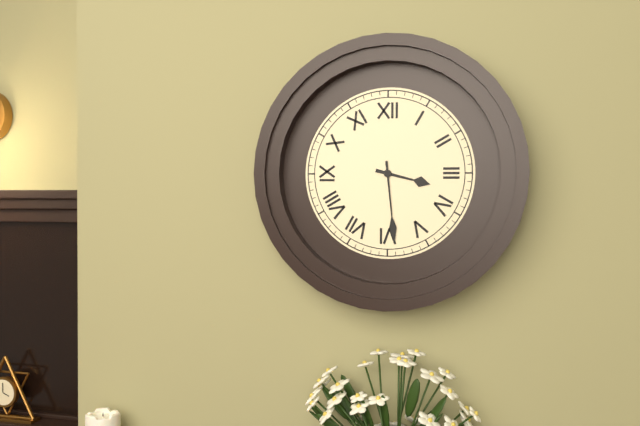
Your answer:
{"hour": 3, "minute": 29}
